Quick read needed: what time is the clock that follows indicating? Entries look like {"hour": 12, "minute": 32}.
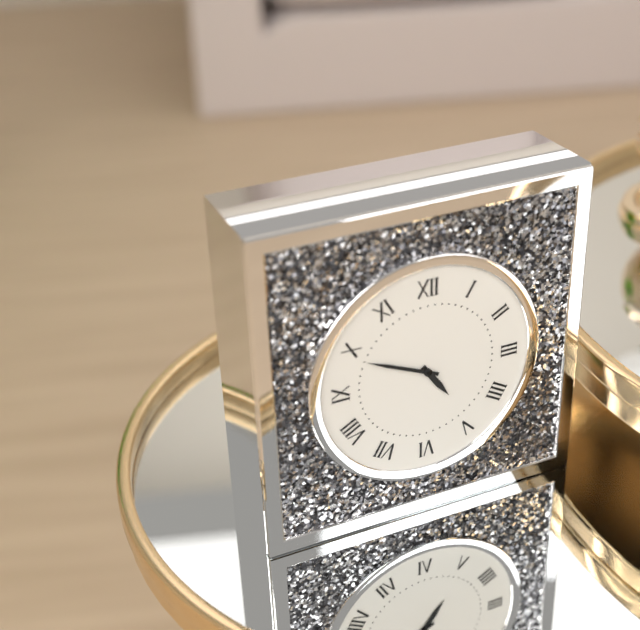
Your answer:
{"hour": 4, "minute": 49}
